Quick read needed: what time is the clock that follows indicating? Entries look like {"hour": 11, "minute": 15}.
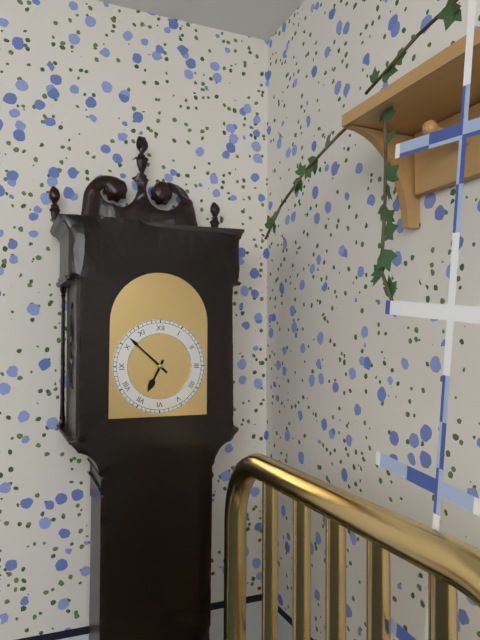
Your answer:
{"hour": 6, "minute": 52}
